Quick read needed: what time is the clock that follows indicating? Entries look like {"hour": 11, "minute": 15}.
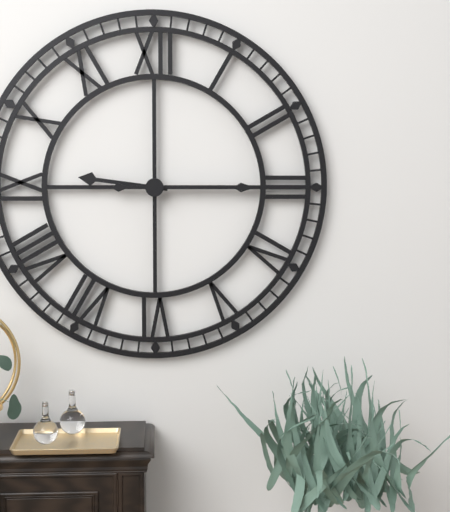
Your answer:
{"hour": 9, "minute": 15}
